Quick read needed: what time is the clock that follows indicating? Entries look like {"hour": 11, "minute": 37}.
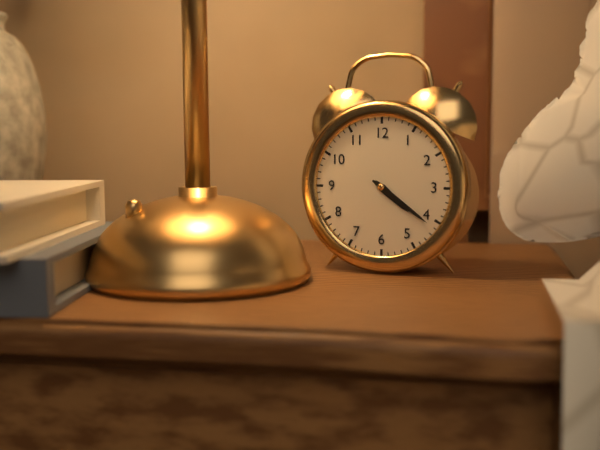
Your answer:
{"hour": 4, "minute": 21}
